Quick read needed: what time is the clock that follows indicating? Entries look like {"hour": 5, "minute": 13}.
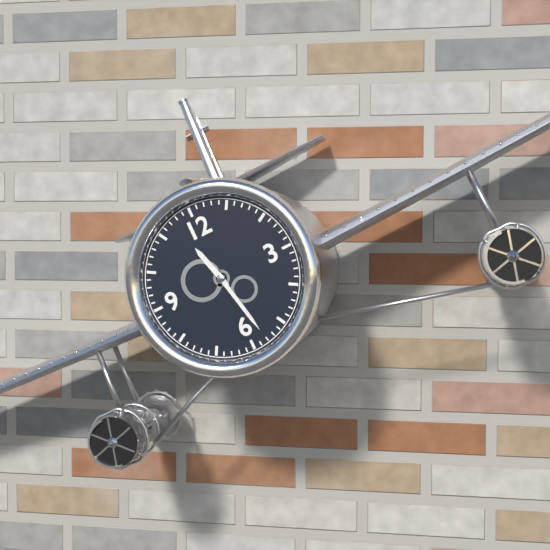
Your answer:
{"hour": 11, "minute": 28}
